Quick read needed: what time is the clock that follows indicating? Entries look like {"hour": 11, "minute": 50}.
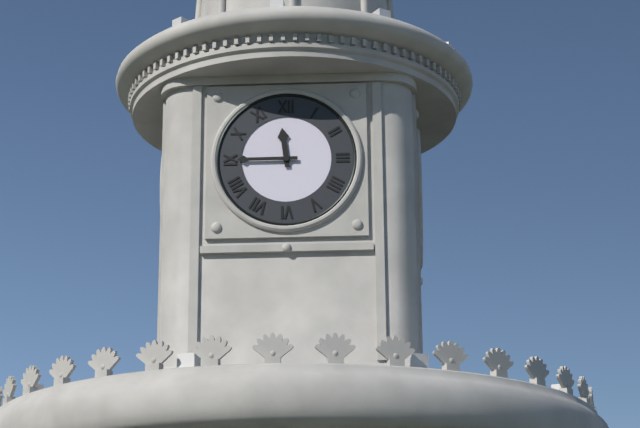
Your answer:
{"hour": 11, "minute": 45}
